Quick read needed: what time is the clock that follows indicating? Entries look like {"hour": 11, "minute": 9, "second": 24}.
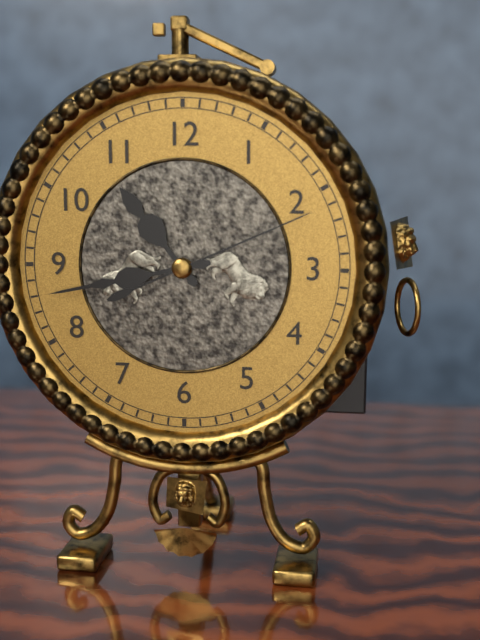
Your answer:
{"hour": 10, "minute": 43, "second": 11}
